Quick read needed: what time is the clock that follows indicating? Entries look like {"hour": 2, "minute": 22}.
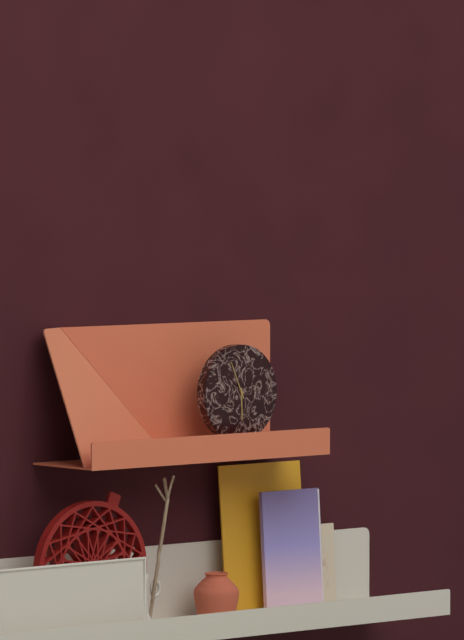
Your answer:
{"hour": 5, "minute": 56}
